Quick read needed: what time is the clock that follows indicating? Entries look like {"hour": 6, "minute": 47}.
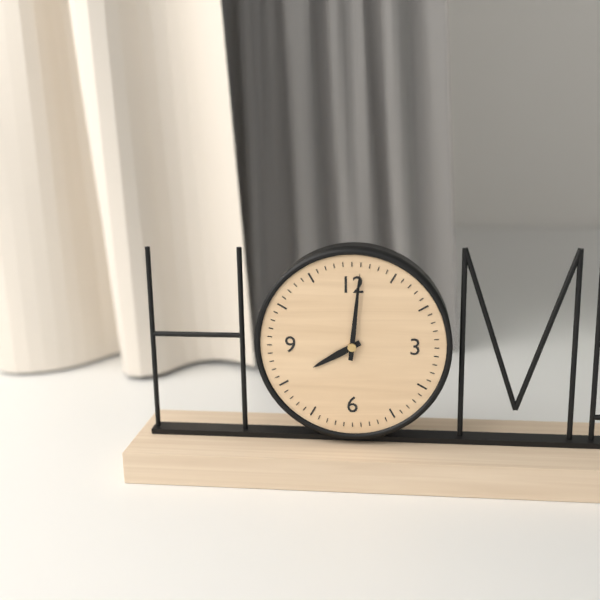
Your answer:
{"hour": 8, "minute": 1}
